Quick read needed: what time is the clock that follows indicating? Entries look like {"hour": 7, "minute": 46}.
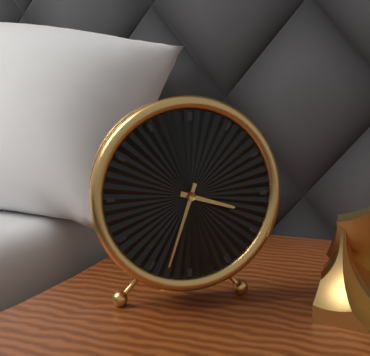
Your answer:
{"hour": 3, "minute": 33}
